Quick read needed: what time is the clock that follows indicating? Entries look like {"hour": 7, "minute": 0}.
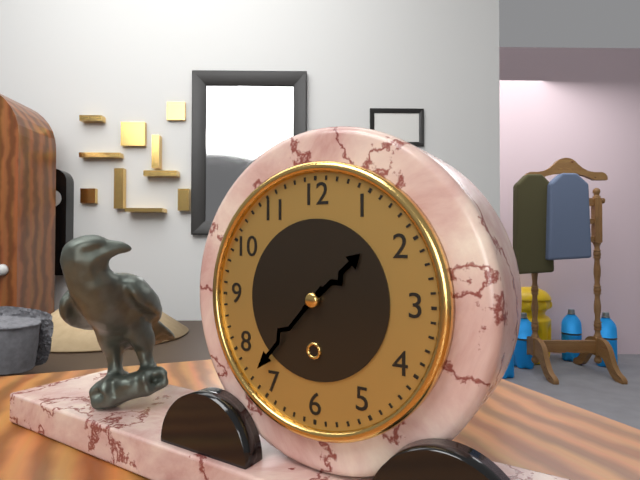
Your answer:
{"hour": 1, "minute": 37}
